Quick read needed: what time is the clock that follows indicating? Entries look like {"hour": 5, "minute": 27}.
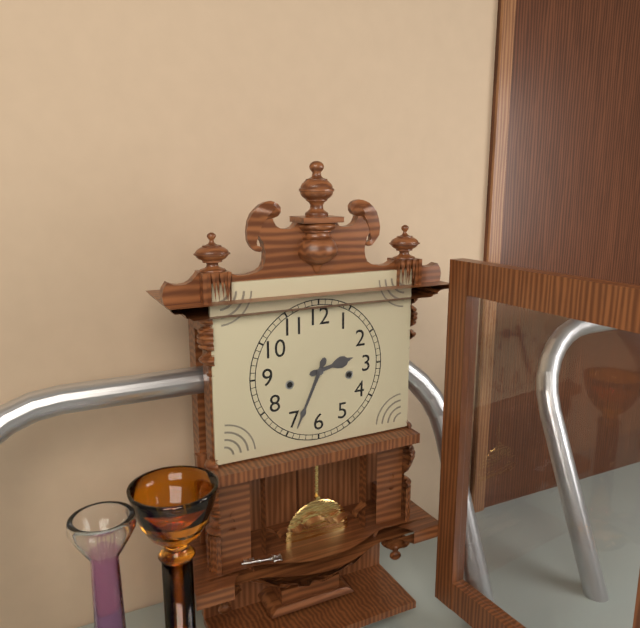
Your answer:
{"hour": 2, "minute": 34}
